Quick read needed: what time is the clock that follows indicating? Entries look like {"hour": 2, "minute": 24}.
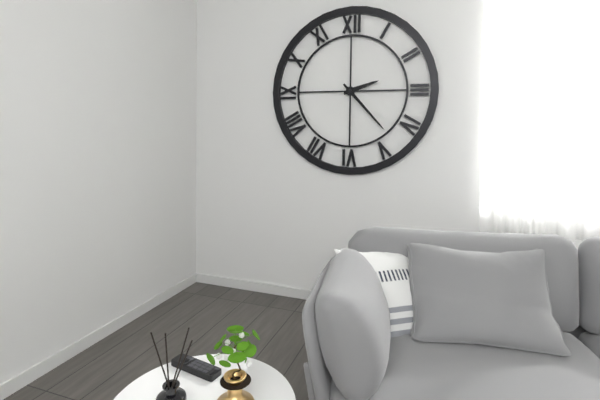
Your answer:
{"hour": 2, "minute": 23}
